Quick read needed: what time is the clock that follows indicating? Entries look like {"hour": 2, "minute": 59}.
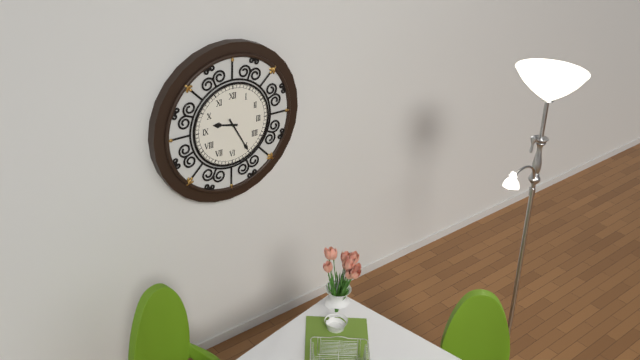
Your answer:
{"hour": 9, "minute": 25}
